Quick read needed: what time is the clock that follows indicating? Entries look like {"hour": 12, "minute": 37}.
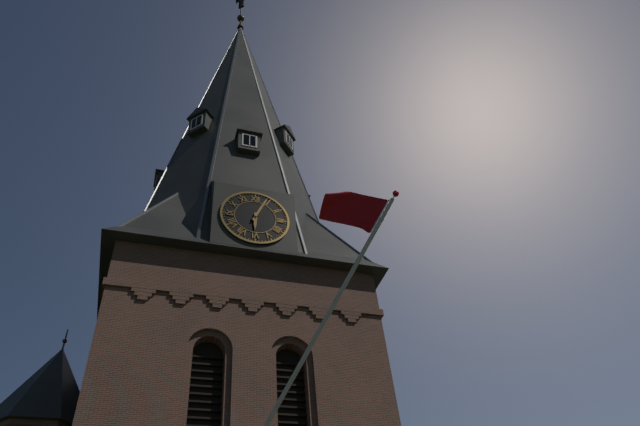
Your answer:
{"hour": 6, "minute": 4}
